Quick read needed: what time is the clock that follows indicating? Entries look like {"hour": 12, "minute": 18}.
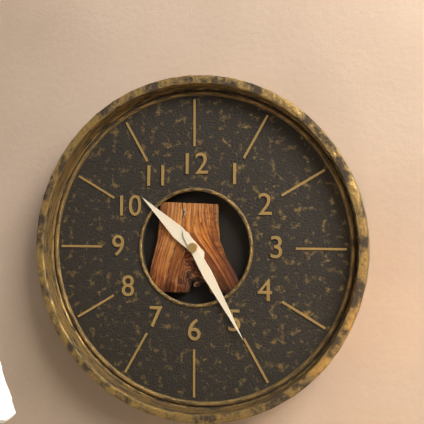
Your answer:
{"hour": 10, "minute": 25}
